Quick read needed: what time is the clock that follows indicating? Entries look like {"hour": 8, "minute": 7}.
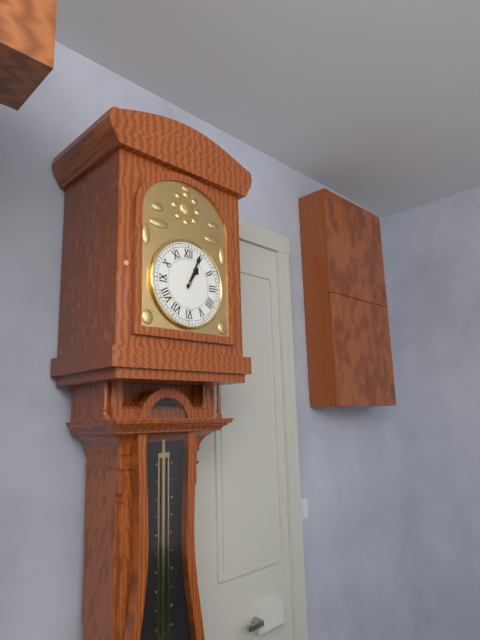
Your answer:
{"hour": 1, "minute": 4}
